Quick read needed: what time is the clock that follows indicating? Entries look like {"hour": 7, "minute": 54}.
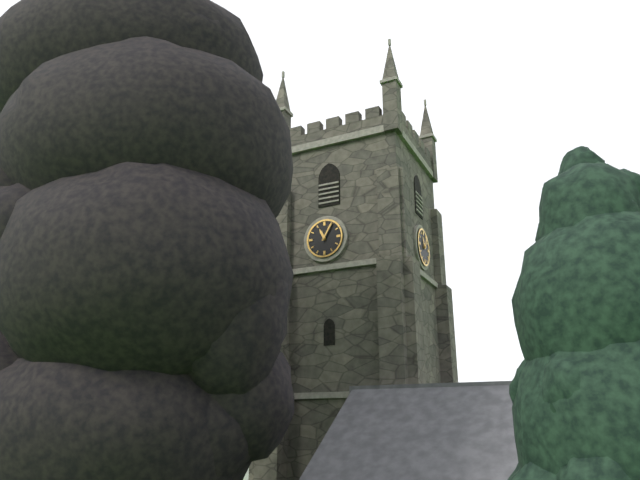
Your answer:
{"hour": 11, "minute": 5}
